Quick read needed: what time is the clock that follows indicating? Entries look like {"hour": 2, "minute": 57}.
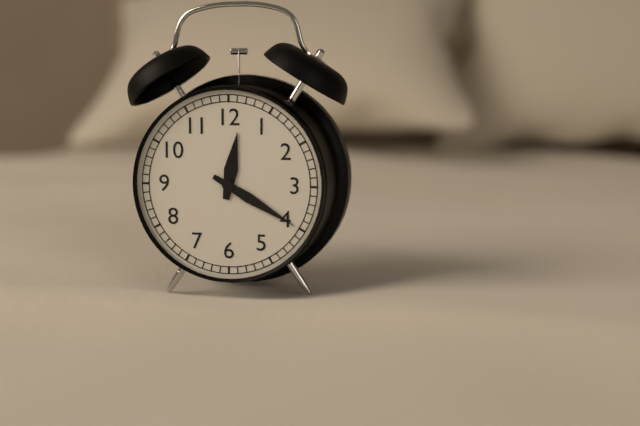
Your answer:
{"hour": 12, "minute": 20}
